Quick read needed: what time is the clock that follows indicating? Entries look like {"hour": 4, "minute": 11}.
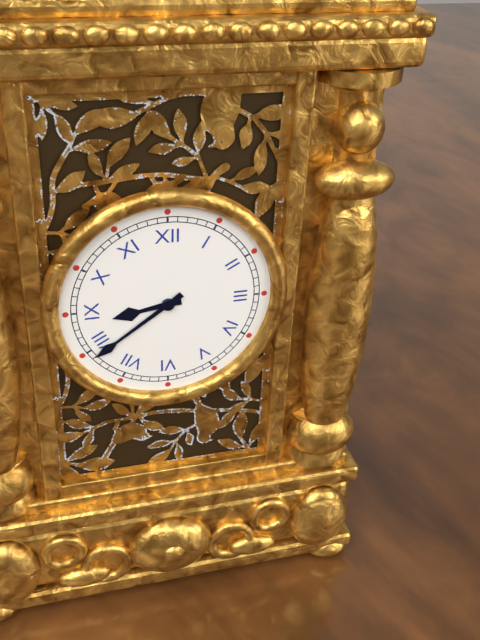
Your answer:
{"hour": 8, "minute": 39}
